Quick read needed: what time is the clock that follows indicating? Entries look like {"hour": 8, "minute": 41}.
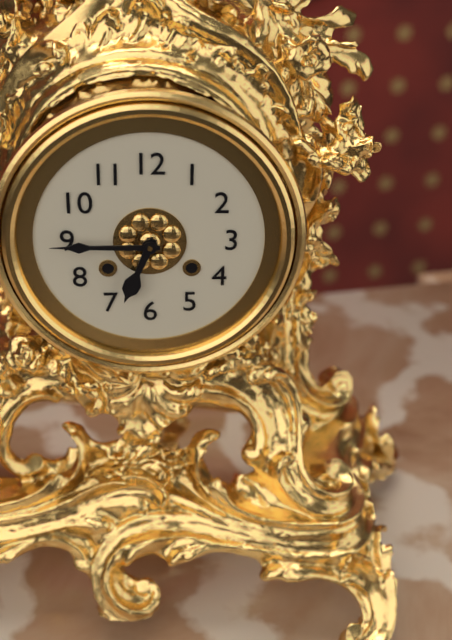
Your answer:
{"hour": 6, "minute": 45}
